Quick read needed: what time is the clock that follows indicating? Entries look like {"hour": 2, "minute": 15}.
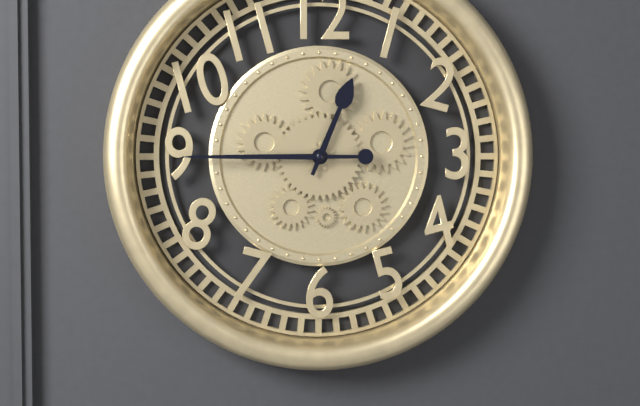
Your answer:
{"hour": 12, "minute": 45}
